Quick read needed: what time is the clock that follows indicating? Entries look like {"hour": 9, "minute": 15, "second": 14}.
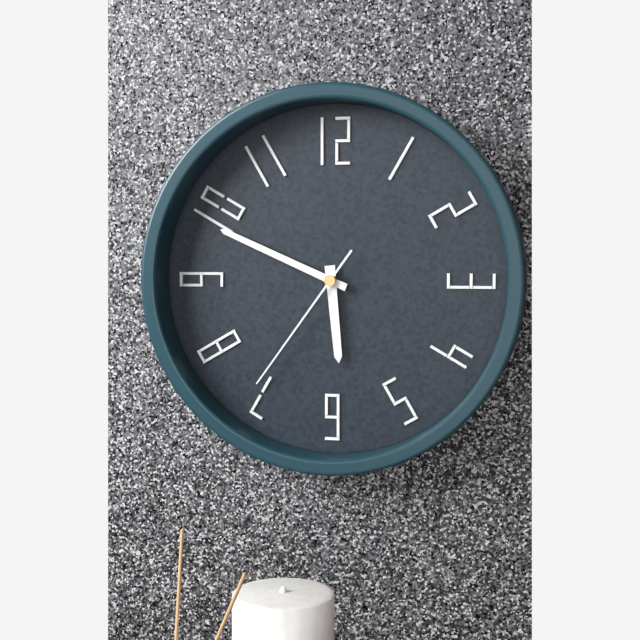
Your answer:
{"hour": 5, "minute": 49, "second": 36}
